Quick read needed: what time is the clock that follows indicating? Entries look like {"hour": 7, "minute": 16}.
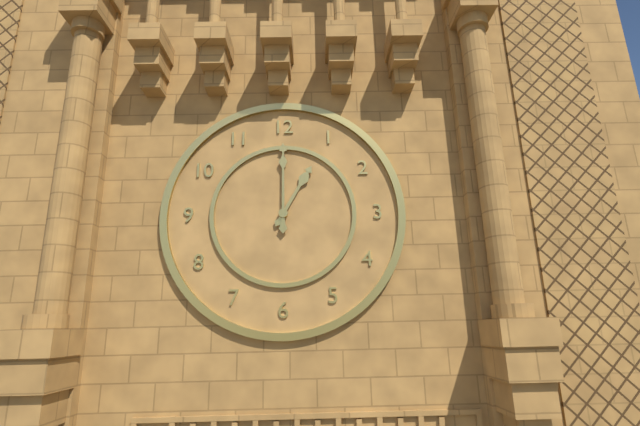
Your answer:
{"hour": 1, "minute": 0}
